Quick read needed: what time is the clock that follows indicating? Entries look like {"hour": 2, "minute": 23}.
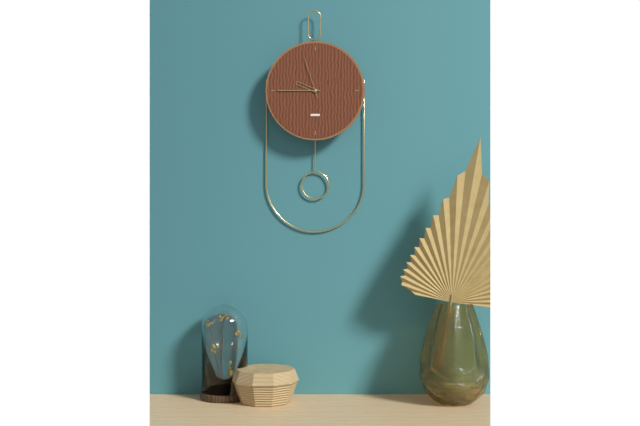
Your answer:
{"hour": 9, "minute": 45}
